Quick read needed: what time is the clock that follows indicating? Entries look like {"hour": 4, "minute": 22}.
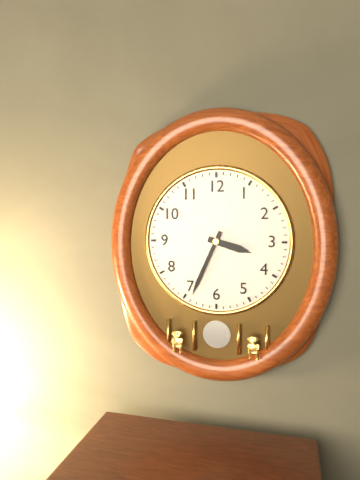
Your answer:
{"hour": 3, "minute": 34}
